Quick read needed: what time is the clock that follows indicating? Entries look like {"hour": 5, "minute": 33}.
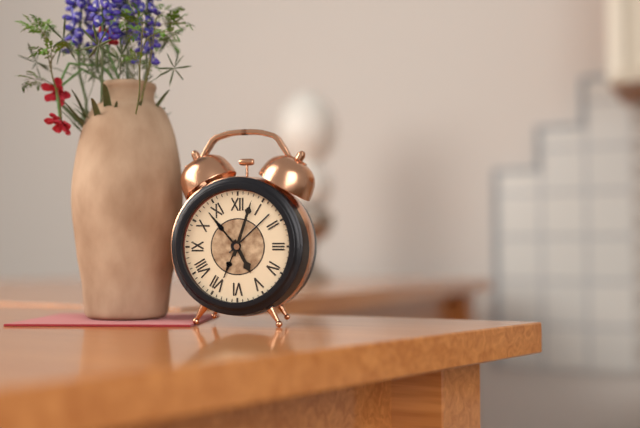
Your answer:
{"hour": 5, "minute": 3}
